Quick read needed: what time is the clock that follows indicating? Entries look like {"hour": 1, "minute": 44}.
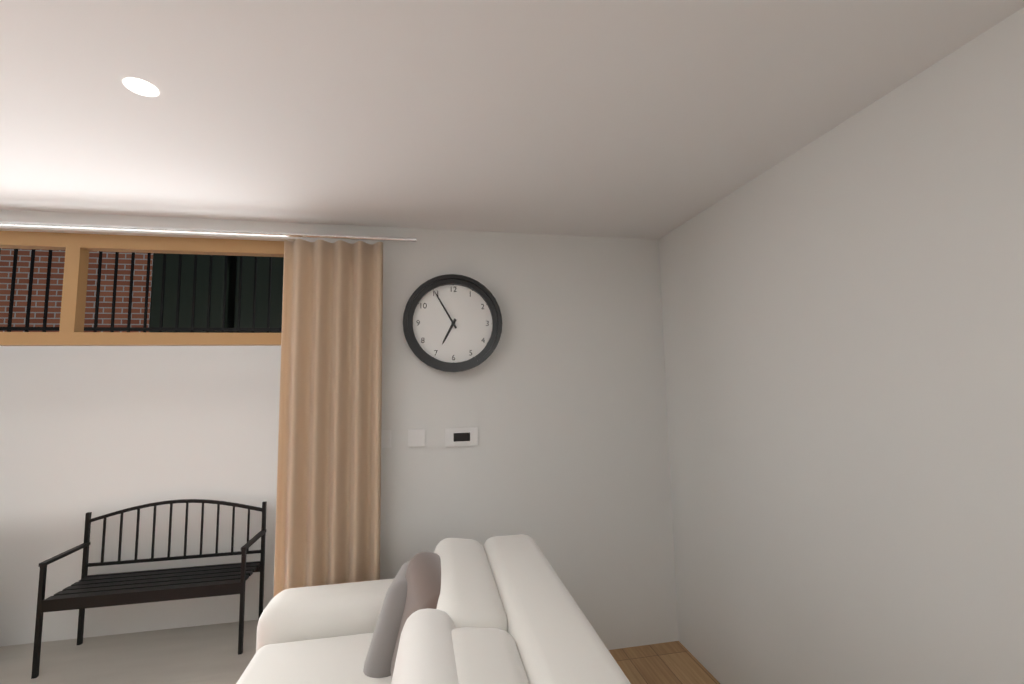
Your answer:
{"hour": 6, "minute": 55}
